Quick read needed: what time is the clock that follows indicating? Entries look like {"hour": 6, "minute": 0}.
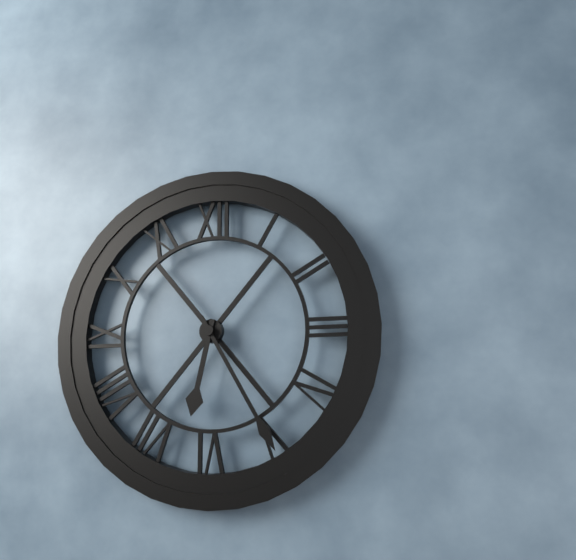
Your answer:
{"hour": 6, "minute": 25}
